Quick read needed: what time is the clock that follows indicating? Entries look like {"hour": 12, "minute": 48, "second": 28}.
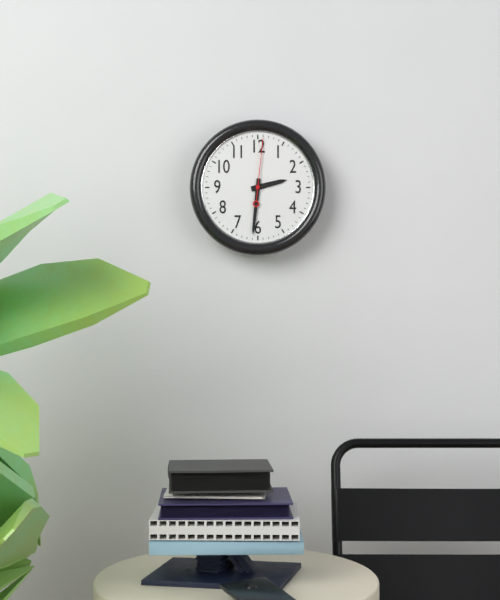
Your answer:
{"hour": 2, "minute": 31, "second": 1}
